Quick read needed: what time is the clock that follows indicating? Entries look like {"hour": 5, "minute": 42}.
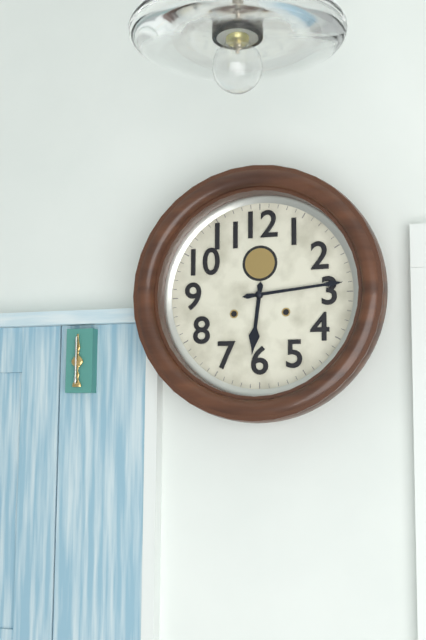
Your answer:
{"hour": 6, "minute": 14}
